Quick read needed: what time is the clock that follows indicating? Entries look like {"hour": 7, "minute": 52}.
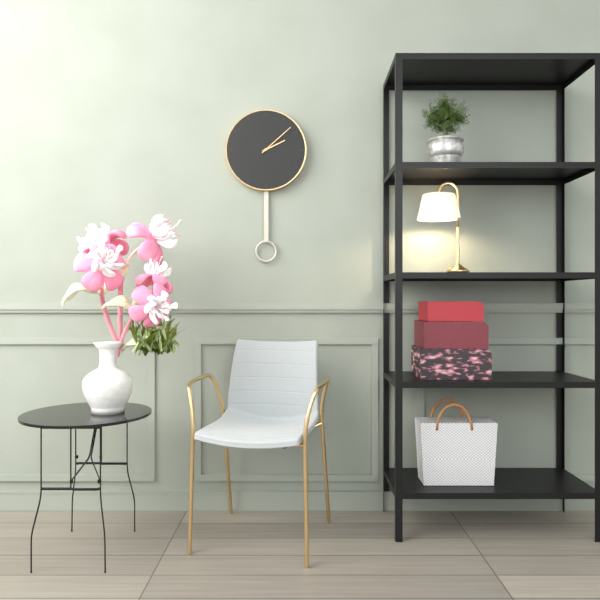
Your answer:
{"hour": 2, "minute": 8}
